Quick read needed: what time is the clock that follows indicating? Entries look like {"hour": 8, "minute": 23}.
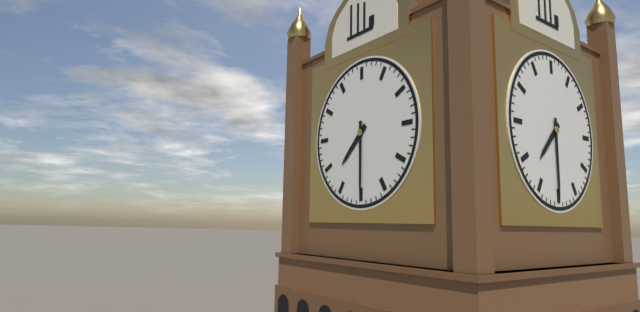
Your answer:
{"hour": 7, "minute": 30}
